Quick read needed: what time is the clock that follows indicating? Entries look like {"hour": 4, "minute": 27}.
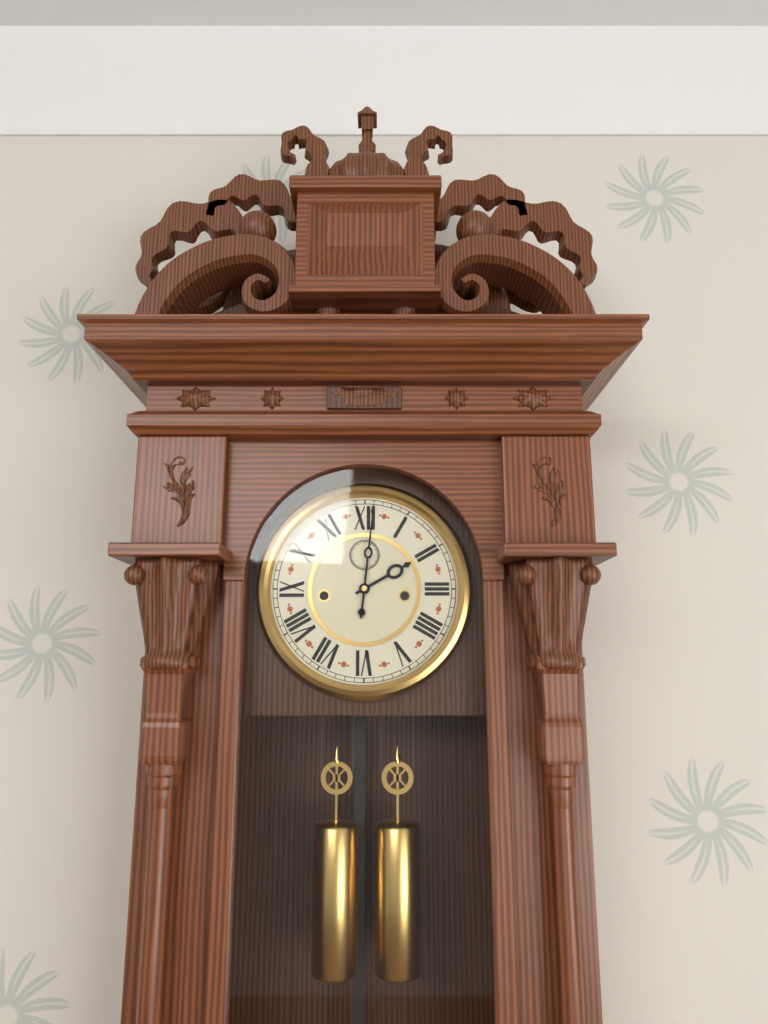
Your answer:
{"hour": 2, "minute": 1}
